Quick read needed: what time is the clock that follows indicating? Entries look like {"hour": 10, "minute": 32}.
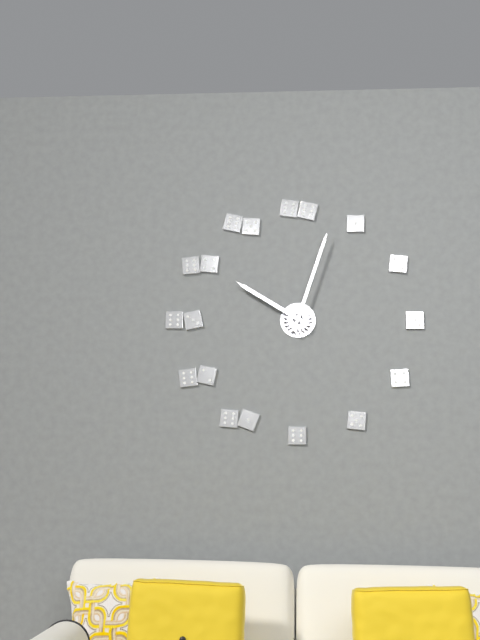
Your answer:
{"hour": 10, "minute": 3}
